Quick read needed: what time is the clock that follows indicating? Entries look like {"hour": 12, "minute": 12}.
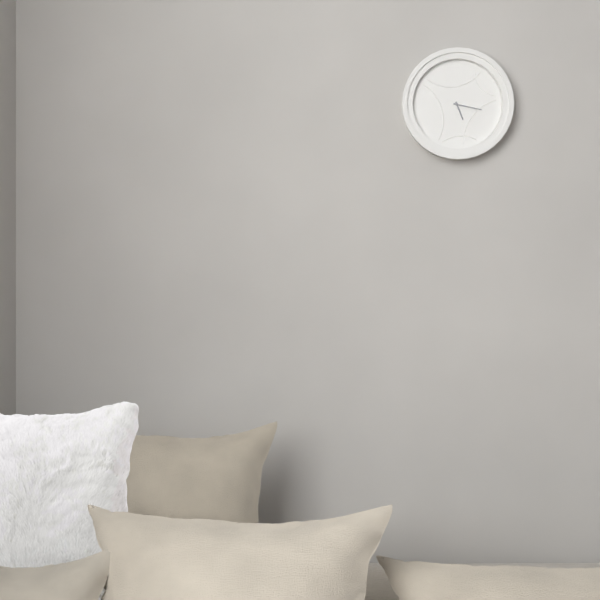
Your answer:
{"hour": 5, "minute": 17}
